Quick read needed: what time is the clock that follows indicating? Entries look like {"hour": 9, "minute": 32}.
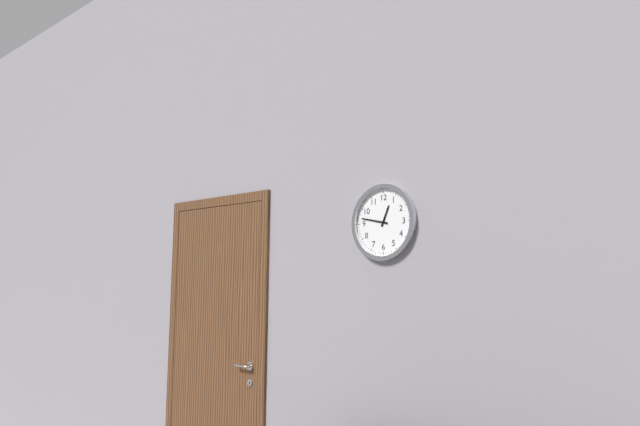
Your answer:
{"hour": 12, "minute": 47}
